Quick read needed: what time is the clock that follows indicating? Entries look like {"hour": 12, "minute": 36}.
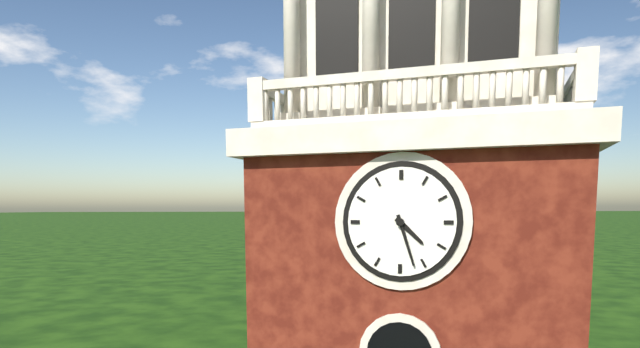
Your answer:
{"hour": 4, "minute": 27}
